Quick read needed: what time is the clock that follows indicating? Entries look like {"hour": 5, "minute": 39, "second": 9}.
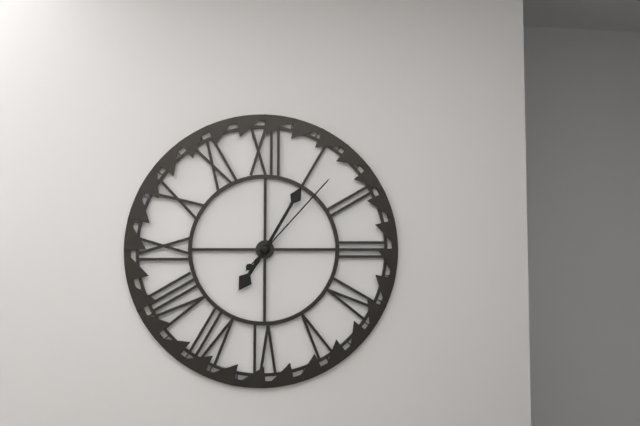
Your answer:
{"hour": 7, "minute": 5, "second": 7}
